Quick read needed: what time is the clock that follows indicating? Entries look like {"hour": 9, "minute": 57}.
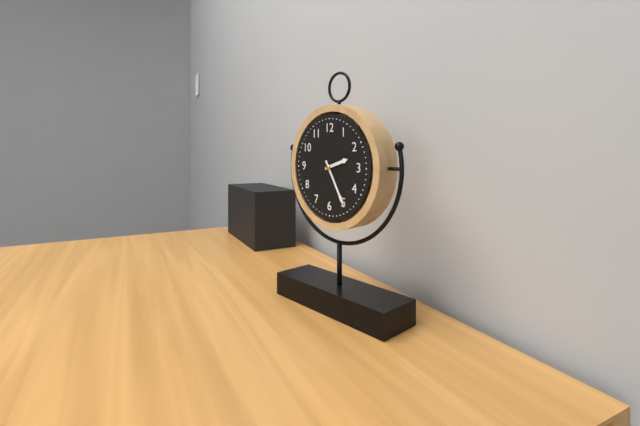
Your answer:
{"hour": 2, "minute": 25}
